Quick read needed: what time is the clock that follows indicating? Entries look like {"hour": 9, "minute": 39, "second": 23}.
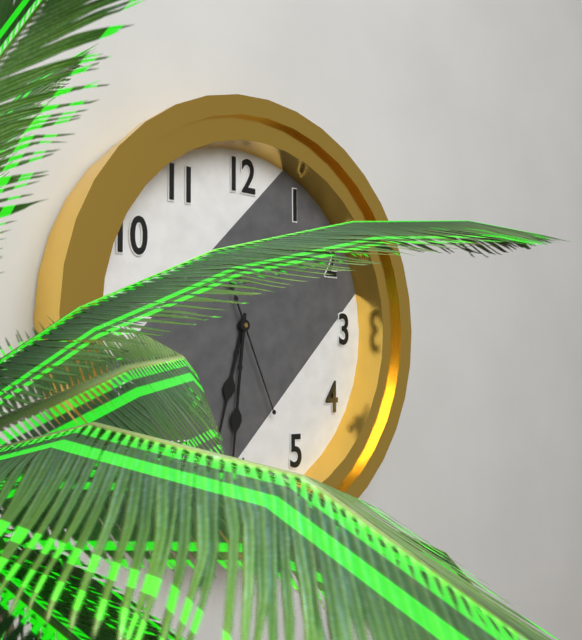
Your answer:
{"hour": 6, "minute": 31, "second": 26}
